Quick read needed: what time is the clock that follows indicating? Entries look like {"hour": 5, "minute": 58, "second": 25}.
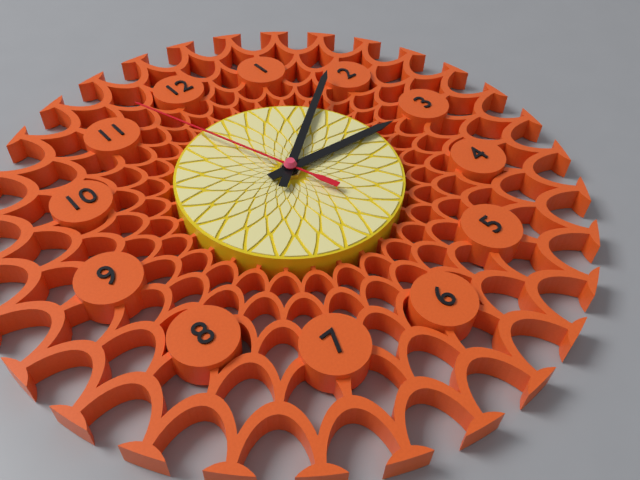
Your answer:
{"hour": 3, "minute": 9, "second": 57}
